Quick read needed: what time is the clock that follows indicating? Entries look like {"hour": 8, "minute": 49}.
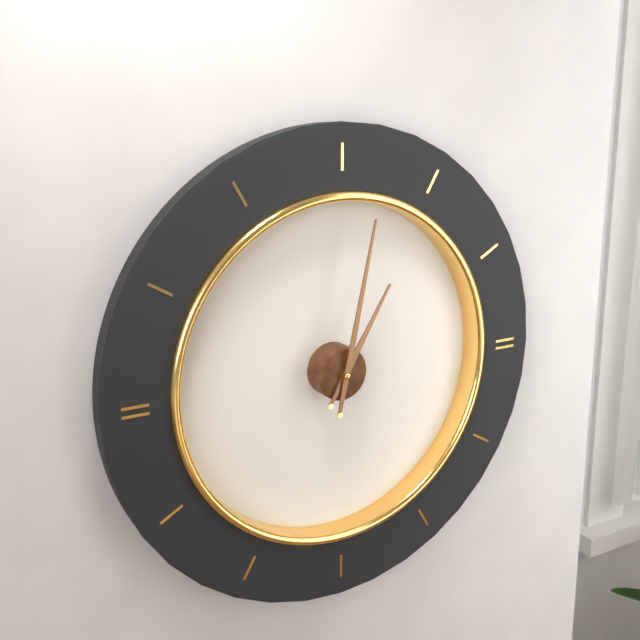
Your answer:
{"hour": 1, "minute": 2}
